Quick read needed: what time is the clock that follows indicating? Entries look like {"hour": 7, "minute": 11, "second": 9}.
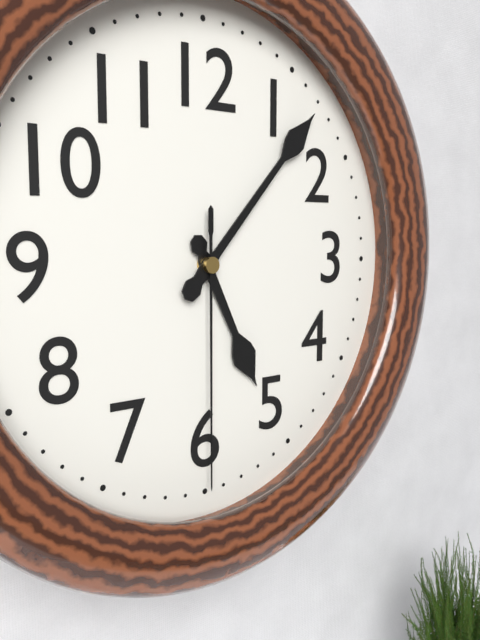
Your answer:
{"hour": 5, "minute": 7, "second": 30}
